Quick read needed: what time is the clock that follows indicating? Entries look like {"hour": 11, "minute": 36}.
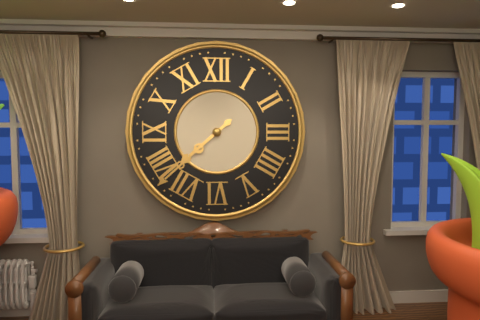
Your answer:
{"hour": 7, "minute": 38}
